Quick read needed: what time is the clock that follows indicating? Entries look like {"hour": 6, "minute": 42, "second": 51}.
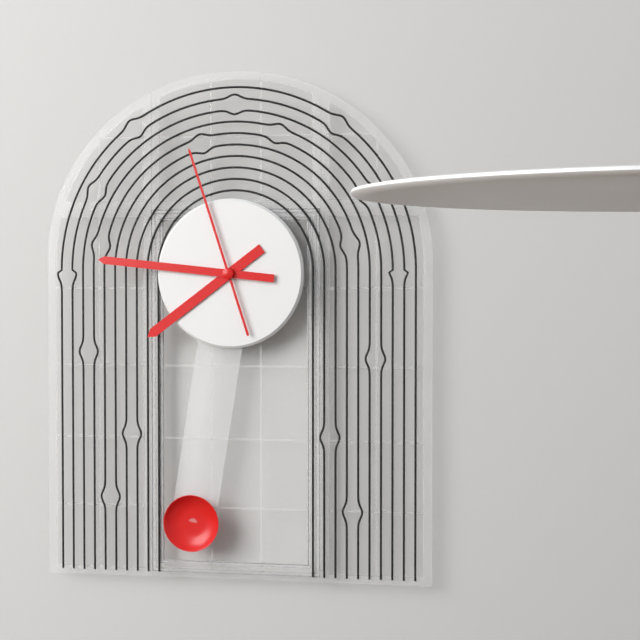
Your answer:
{"hour": 7, "minute": 46, "second": 57}
